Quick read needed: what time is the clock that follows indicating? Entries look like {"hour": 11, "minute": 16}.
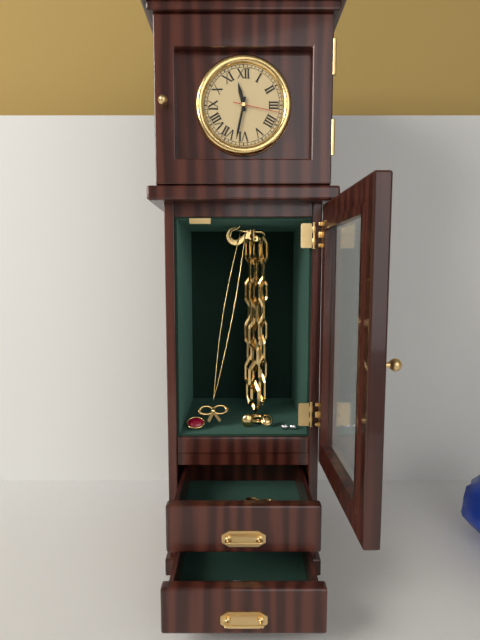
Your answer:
{"hour": 11, "minute": 32}
